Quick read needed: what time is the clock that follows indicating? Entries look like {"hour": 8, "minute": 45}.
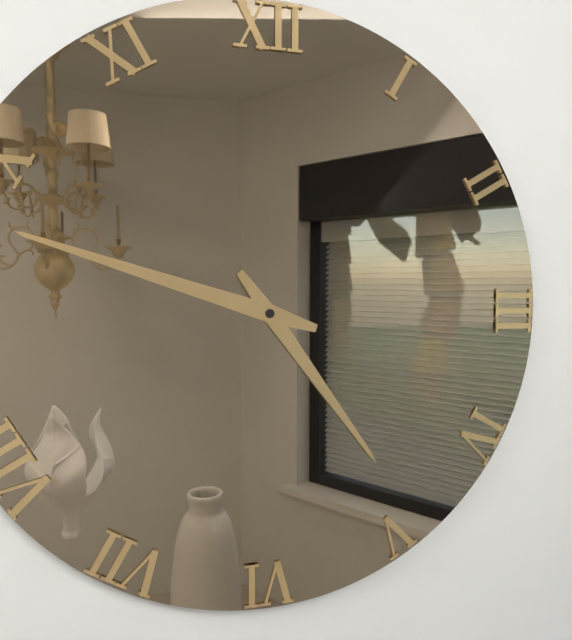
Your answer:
{"hour": 4, "minute": 48}
